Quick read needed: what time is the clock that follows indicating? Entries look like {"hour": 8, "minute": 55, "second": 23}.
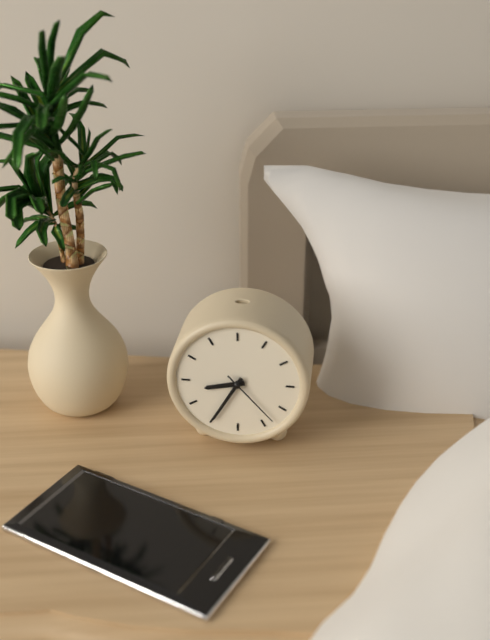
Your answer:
{"hour": 8, "minute": 35, "second": 23}
